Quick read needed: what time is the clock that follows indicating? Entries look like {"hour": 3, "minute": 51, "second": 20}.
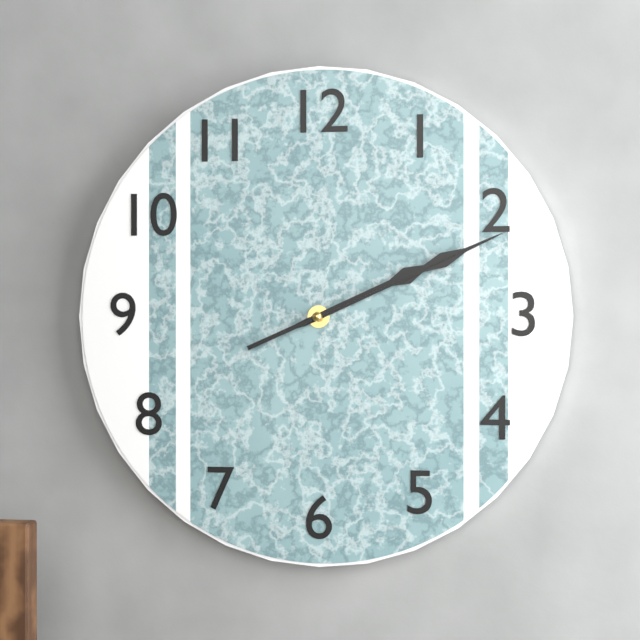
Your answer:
{"hour": 2, "minute": 11, "second": 11}
